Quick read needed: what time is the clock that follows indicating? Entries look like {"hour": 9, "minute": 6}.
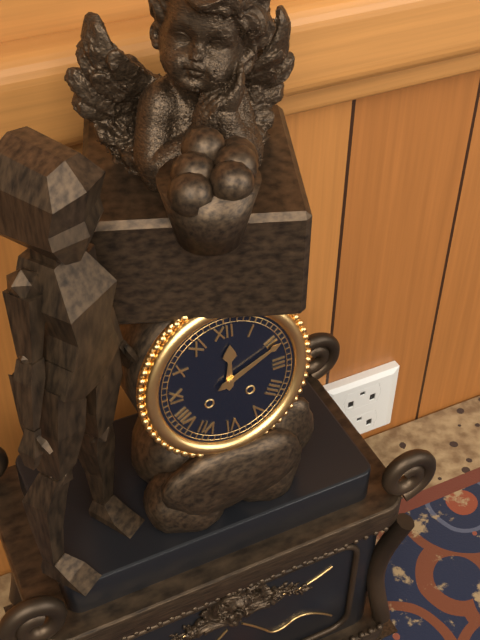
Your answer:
{"hour": 12, "minute": 11}
